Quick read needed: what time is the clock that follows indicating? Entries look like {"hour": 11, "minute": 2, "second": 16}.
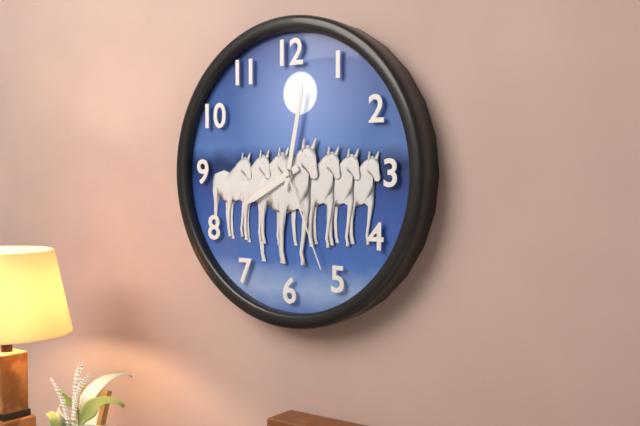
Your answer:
{"hour": 8, "minute": 2, "second": 26}
